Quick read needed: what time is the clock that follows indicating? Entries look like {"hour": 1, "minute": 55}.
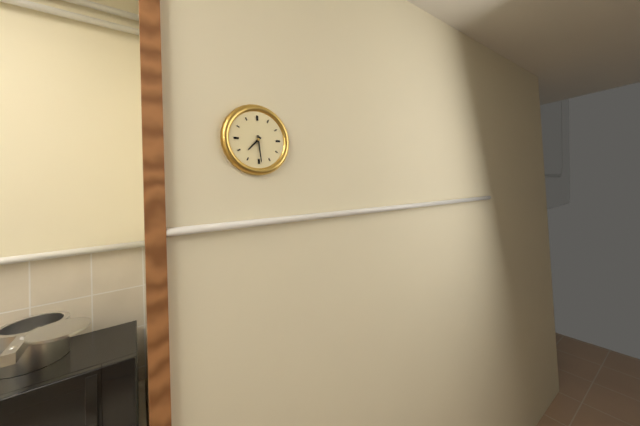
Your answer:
{"hour": 7, "minute": 29}
